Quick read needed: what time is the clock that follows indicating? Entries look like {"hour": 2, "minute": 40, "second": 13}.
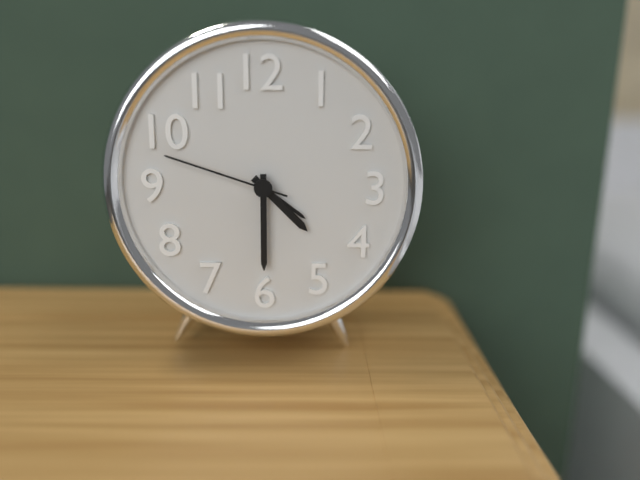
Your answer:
{"hour": 4, "minute": 30, "second": 48}
